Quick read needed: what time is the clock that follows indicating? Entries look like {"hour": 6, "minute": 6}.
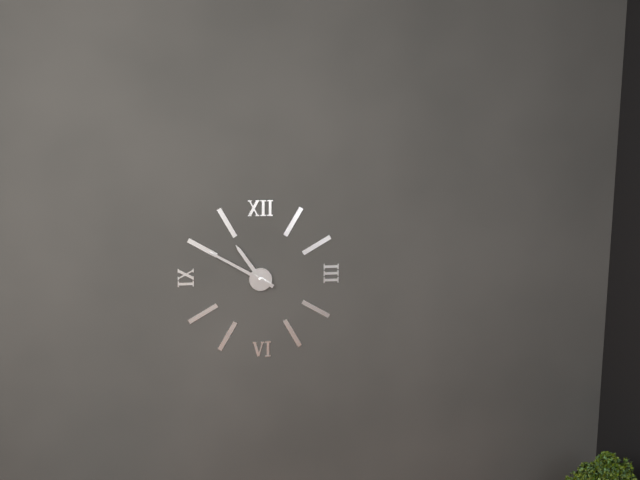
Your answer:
{"hour": 10, "minute": 50}
